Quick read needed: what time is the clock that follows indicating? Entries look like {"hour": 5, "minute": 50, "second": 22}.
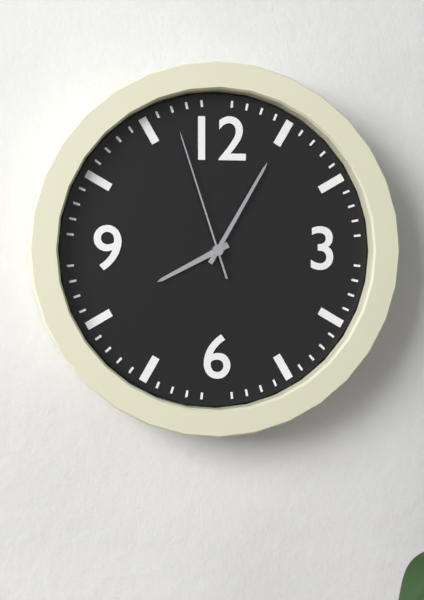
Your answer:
{"hour": 8, "minute": 5, "second": 57}
